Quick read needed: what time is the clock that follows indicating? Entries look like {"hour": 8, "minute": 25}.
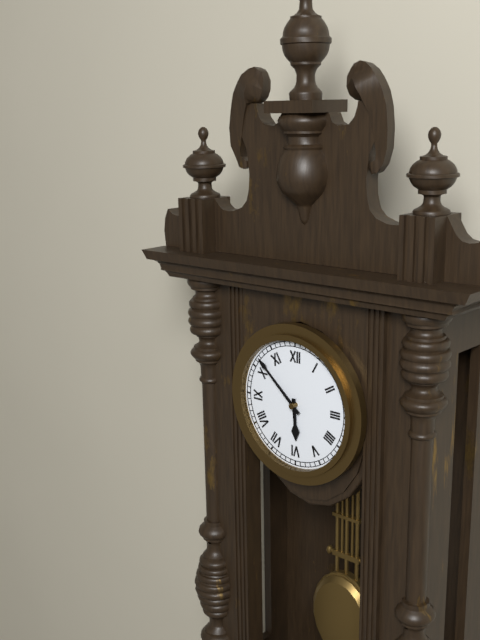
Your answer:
{"hour": 5, "minute": 52}
